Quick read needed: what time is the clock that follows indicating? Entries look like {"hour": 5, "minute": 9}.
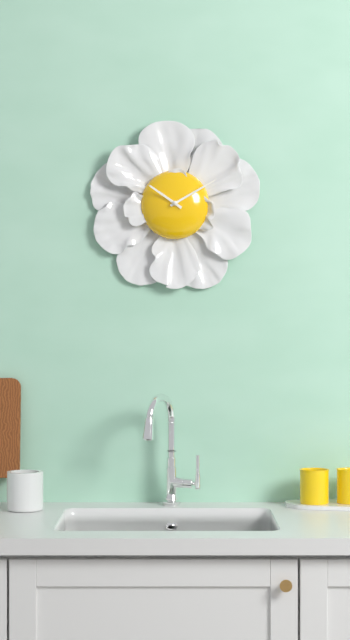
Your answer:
{"hour": 10, "minute": 10}
